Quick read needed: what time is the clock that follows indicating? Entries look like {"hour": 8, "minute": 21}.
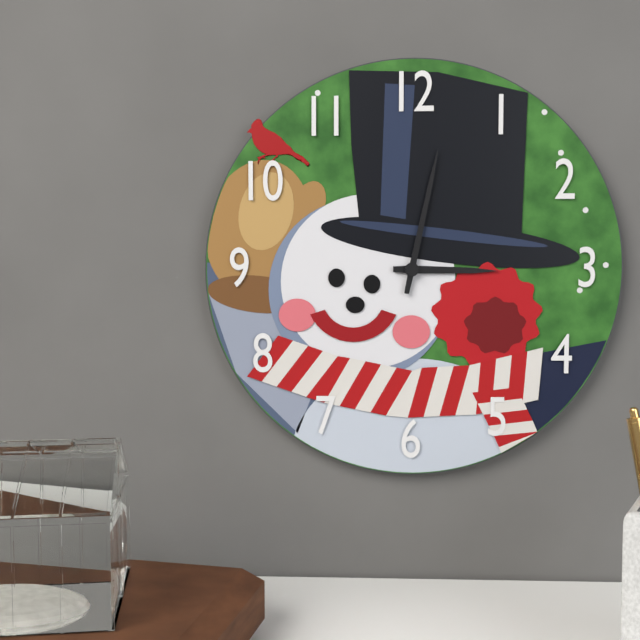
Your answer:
{"hour": 3, "minute": 2}
